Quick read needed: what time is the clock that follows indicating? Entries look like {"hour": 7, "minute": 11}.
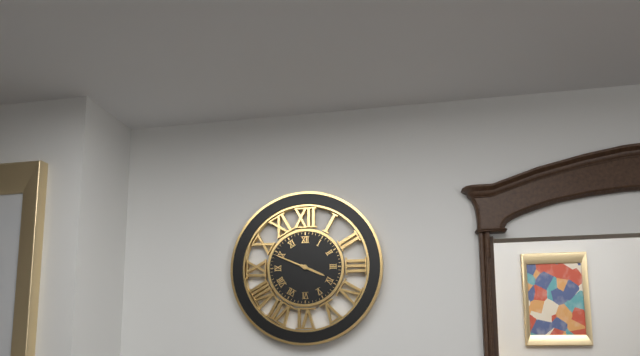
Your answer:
{"hour": 3, "minute": 49}
